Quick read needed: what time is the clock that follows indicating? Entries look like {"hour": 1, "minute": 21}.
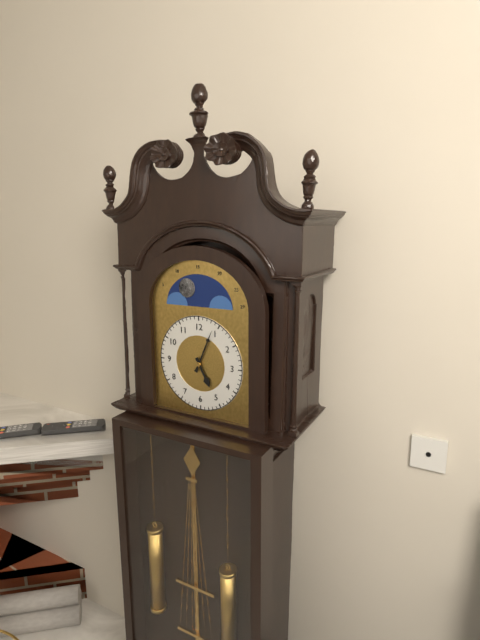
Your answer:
{"hour": 5, "minute": 4}
